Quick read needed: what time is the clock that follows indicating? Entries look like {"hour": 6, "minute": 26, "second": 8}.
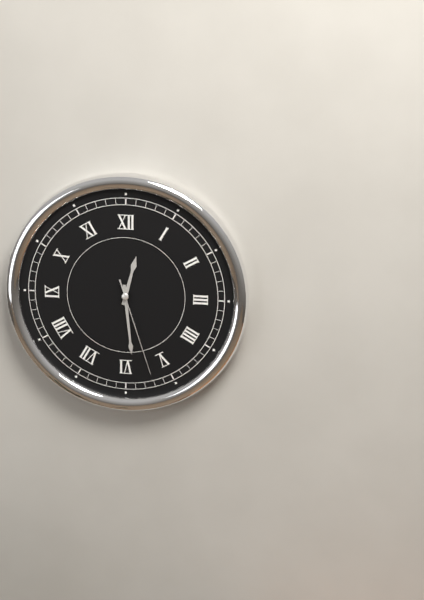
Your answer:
{"hour": 12, "minute": 29, "second": 27}
